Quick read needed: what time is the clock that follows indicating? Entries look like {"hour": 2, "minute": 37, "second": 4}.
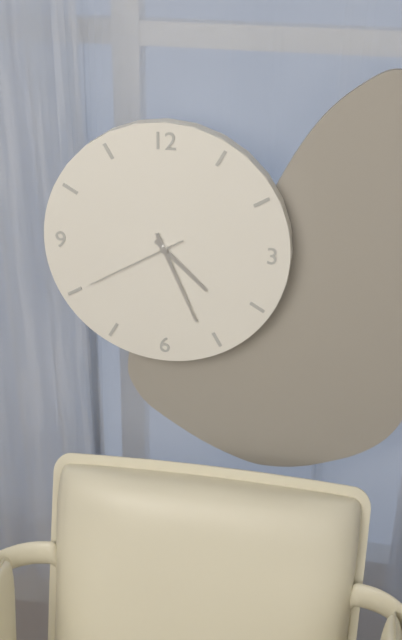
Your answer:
{"hour": 4, "minute": 26, "second": 40}
